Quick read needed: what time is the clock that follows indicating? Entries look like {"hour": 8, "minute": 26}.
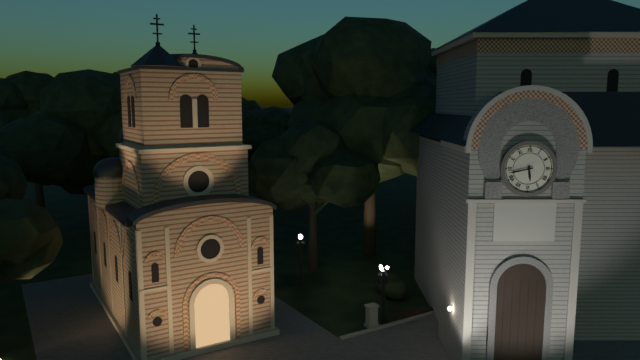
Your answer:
{"hour": 5, "minute": 43}
